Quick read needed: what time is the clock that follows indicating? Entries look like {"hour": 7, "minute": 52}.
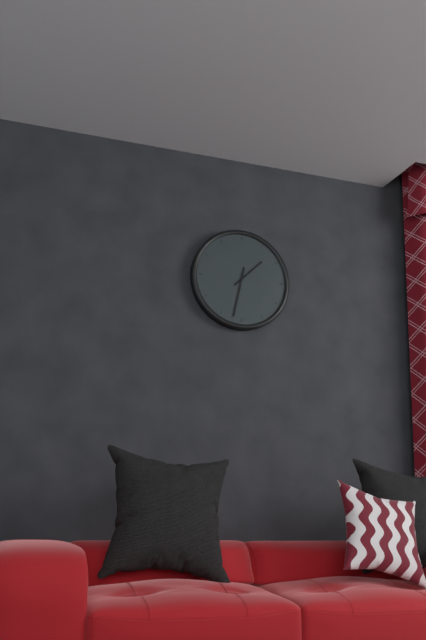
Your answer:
{"hour": 1, "minute": 32}
